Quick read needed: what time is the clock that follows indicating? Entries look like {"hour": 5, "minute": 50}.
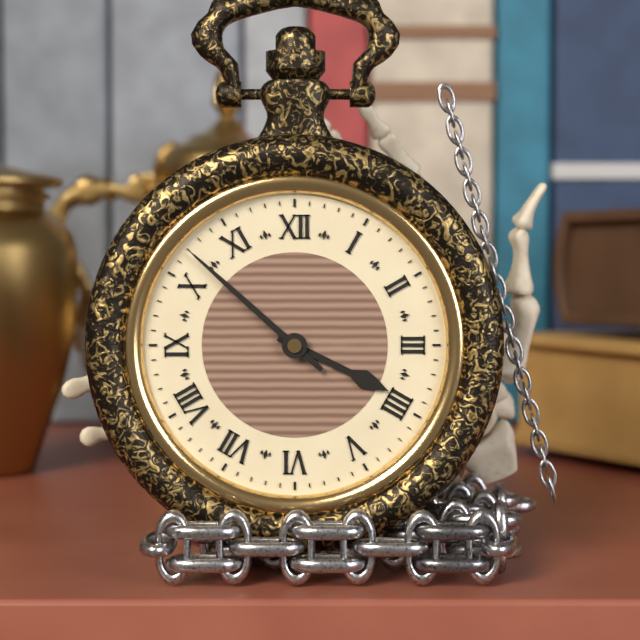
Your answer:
{"hour": 3, "minute": 52}
